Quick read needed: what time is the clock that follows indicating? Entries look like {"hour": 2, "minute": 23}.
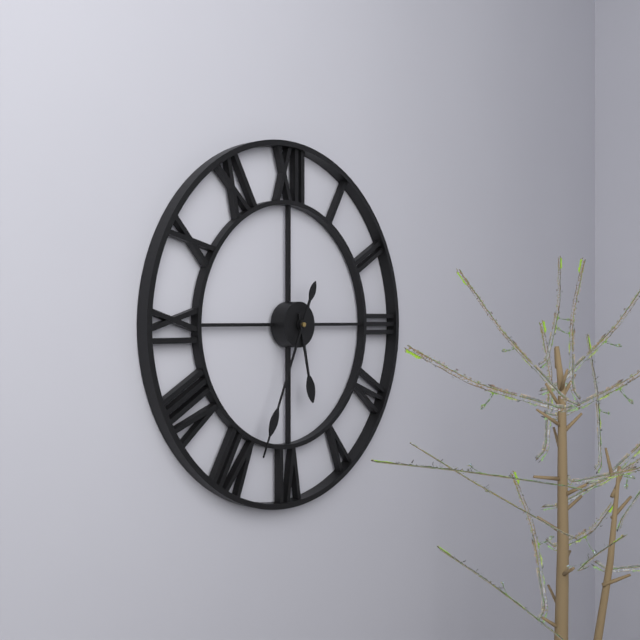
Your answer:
{"hour": 5, "minute": 34}
